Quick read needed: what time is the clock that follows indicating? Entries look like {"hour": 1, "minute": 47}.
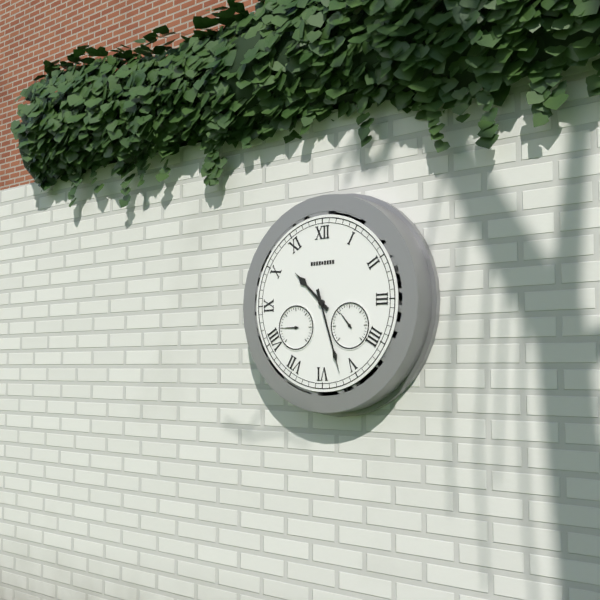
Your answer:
{"hour": 10, "minute": 27}
